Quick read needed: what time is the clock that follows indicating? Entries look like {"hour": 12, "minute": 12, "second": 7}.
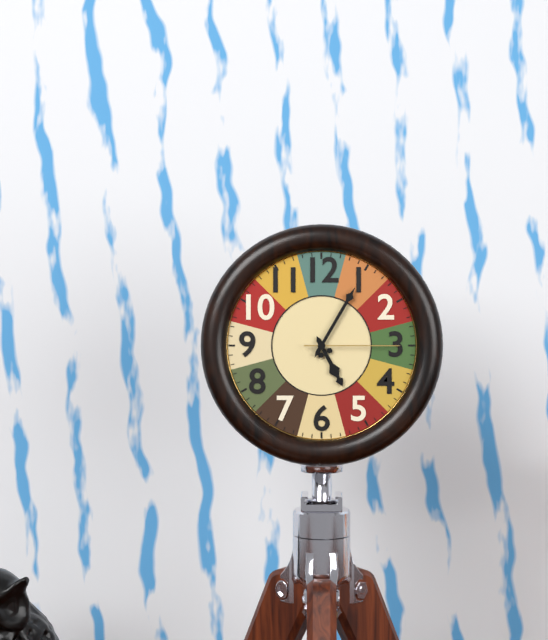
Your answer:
{"hour": 5, "minute": 5, "second": 15}
